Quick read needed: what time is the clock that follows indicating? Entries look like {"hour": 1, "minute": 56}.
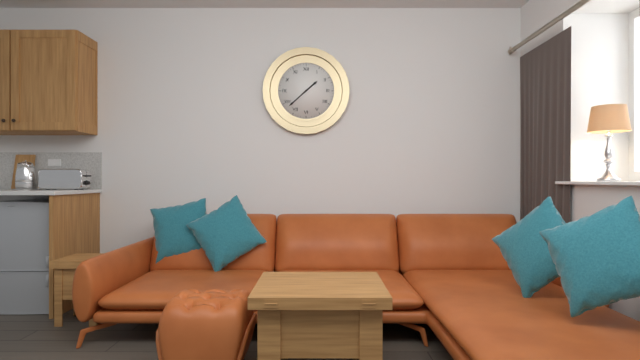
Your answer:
{"hour": 1, "minute": 38}
